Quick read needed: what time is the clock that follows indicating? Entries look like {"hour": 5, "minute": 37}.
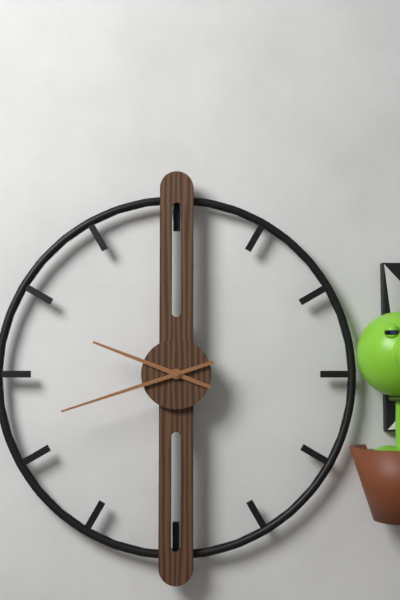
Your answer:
{"hour": 9, "minute": 42}
